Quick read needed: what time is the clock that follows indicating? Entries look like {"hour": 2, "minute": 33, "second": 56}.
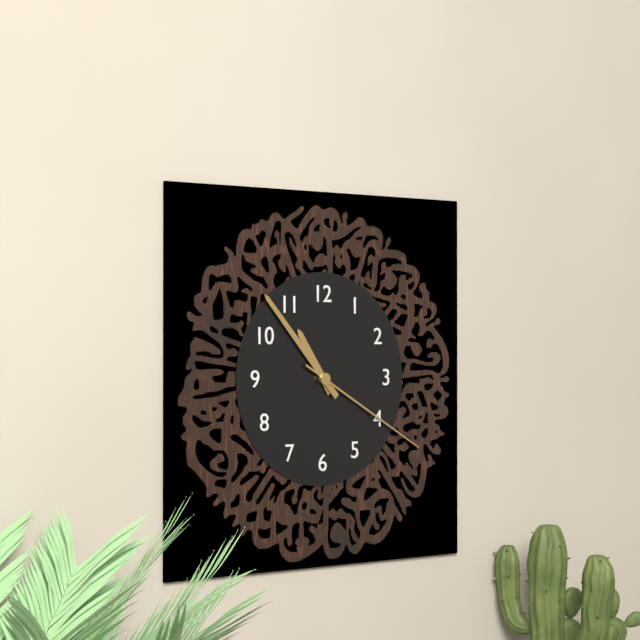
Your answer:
{"hour": 10, "minute": 53, "second": 20}
